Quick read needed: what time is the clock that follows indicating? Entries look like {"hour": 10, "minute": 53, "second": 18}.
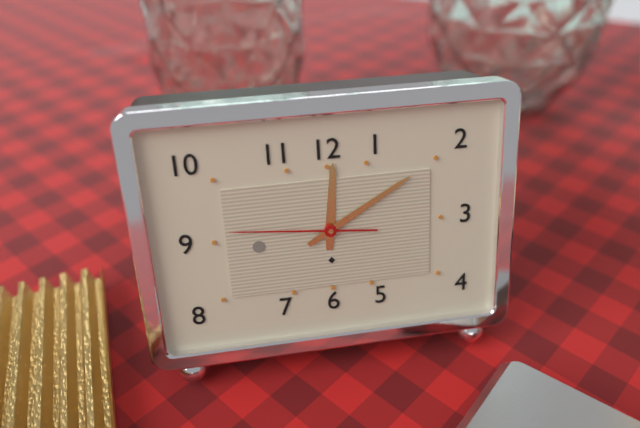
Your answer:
{"hour": 12, "minute": 10, "second": 46}
